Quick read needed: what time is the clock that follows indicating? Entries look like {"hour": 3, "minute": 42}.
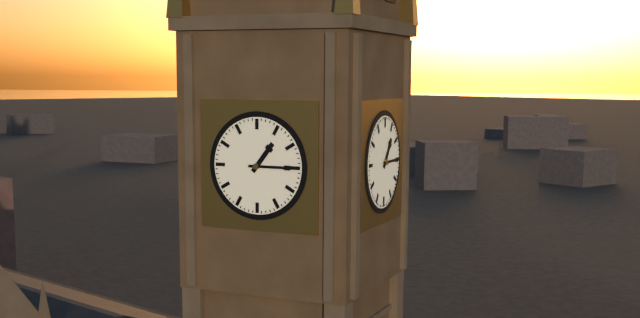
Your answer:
{"hour": 1, "minute": 15}
